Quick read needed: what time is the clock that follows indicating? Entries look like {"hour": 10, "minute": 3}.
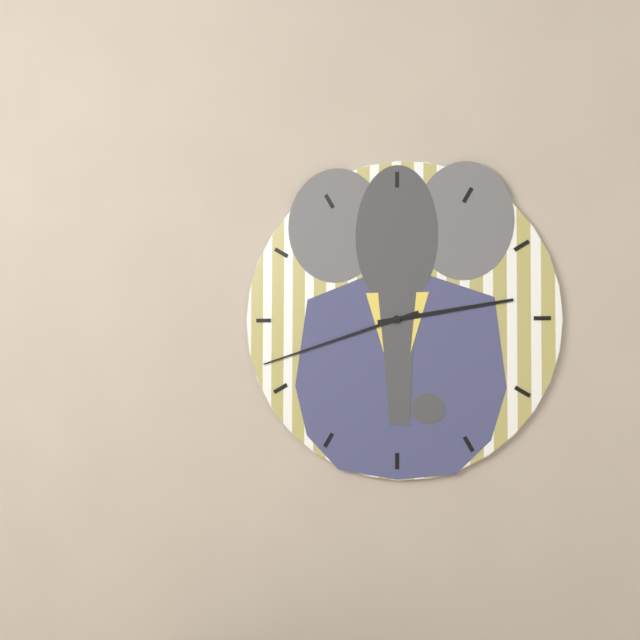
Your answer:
{"hour": 2, "minute": 42}
